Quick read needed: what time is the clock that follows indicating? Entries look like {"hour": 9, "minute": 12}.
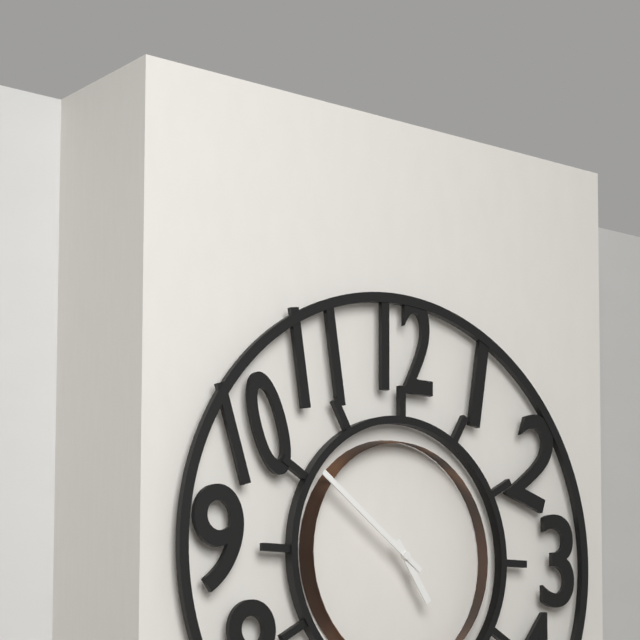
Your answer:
{"hour": 4, "minute": 51}
